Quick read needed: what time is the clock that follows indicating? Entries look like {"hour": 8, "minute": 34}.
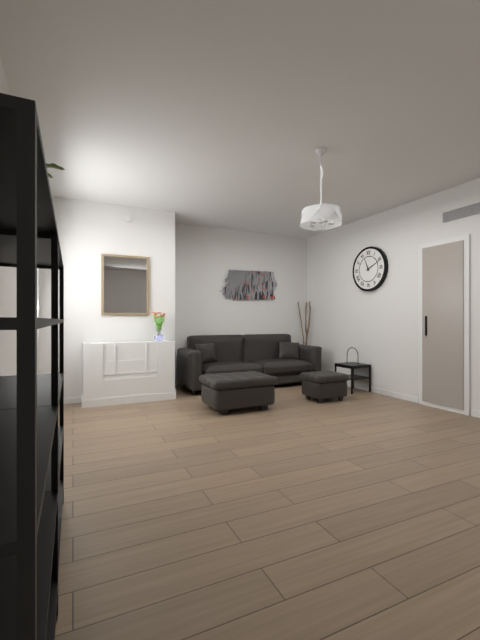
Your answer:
{"hour": 11, "minute": 11}
